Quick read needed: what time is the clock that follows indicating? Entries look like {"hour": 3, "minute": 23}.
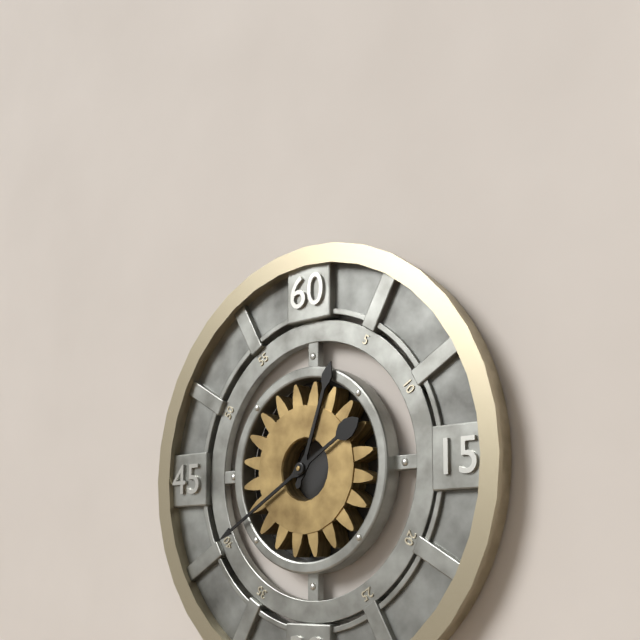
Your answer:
{"hour": 12, "minute": 40}
